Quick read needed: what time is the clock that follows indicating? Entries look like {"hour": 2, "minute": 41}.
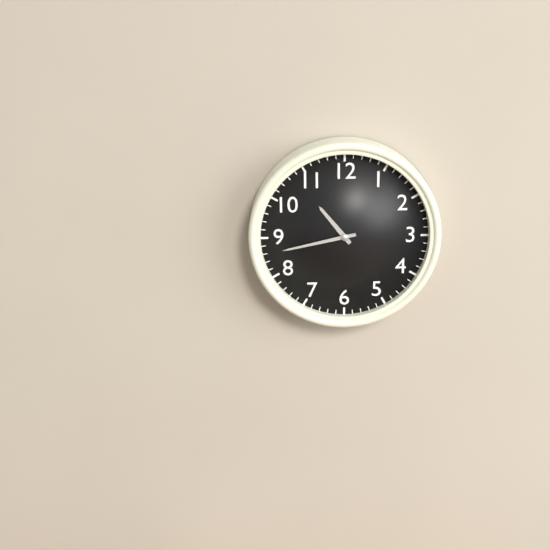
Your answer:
{"hour": 10, "minute": 43}
